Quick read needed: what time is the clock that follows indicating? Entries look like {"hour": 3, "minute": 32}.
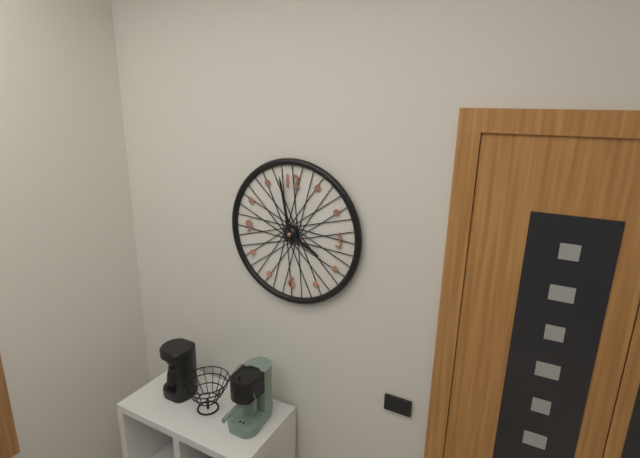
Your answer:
{"hour": 3, "minute": 58}
